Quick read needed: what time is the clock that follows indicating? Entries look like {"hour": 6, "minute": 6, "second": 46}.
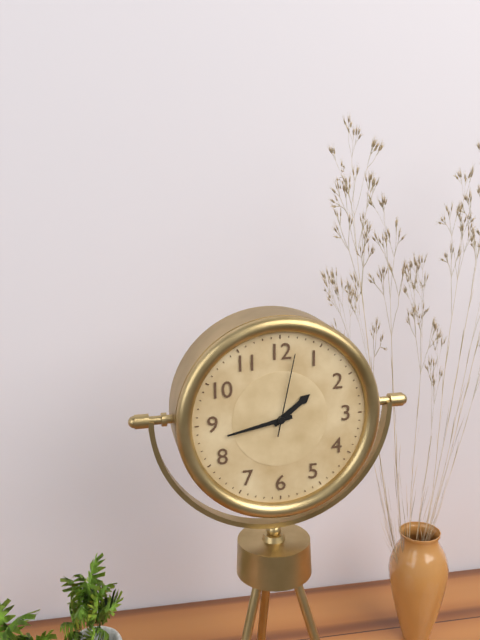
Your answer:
{"hour": 1, "minute": 43, "second": 2}
